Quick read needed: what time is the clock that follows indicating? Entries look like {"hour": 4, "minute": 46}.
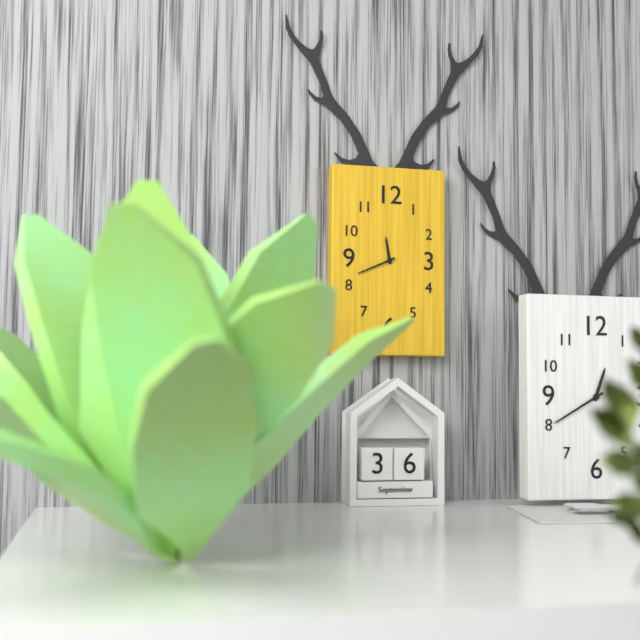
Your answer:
{"hour": 11, "minute": 41}
